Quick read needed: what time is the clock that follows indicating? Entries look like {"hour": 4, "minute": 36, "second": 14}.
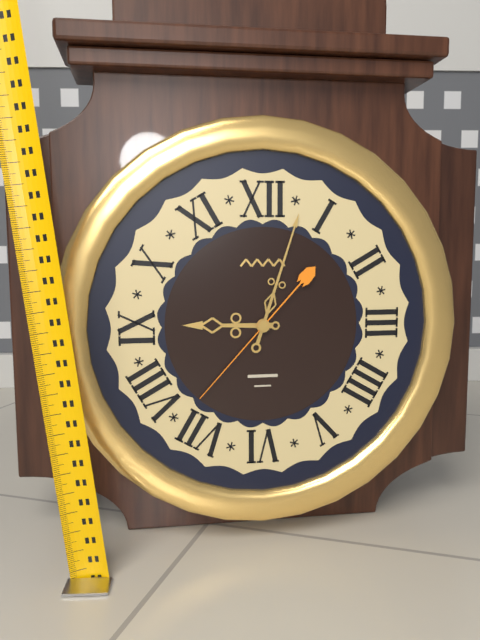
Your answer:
{"hour": 9, "minute": 3, "second": 37}
